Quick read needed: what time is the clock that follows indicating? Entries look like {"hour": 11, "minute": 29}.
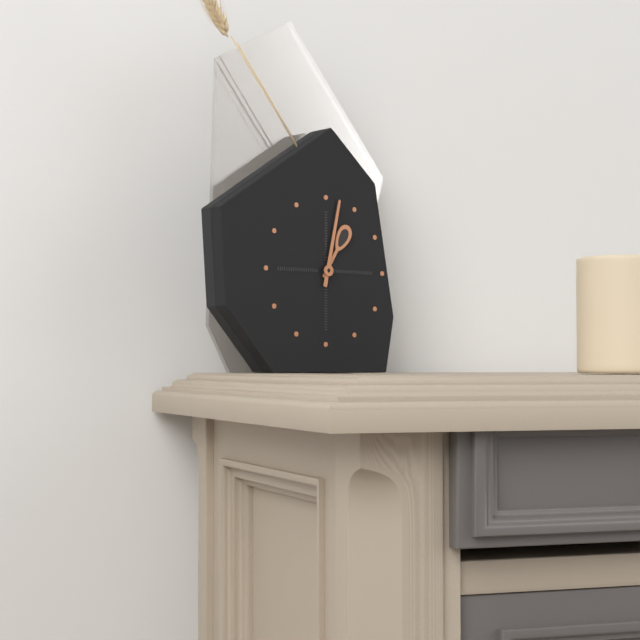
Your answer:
{"hour": 1, "minute": 2}
